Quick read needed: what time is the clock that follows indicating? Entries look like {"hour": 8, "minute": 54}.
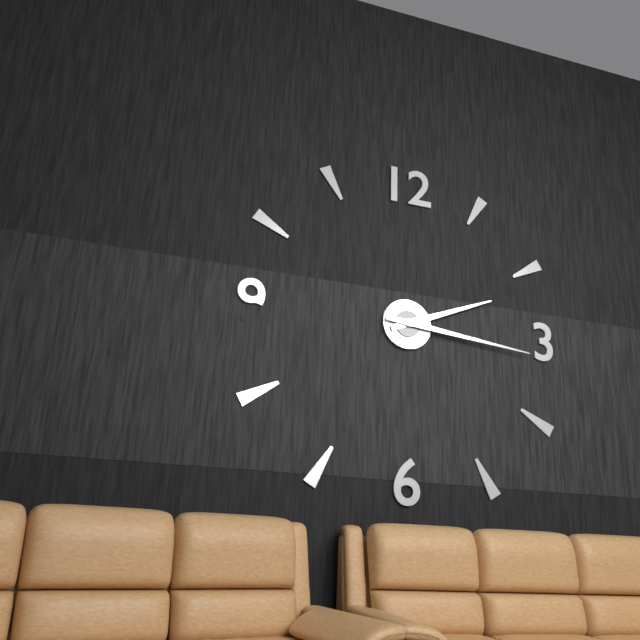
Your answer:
{"hour": 2, "minute": 16}
